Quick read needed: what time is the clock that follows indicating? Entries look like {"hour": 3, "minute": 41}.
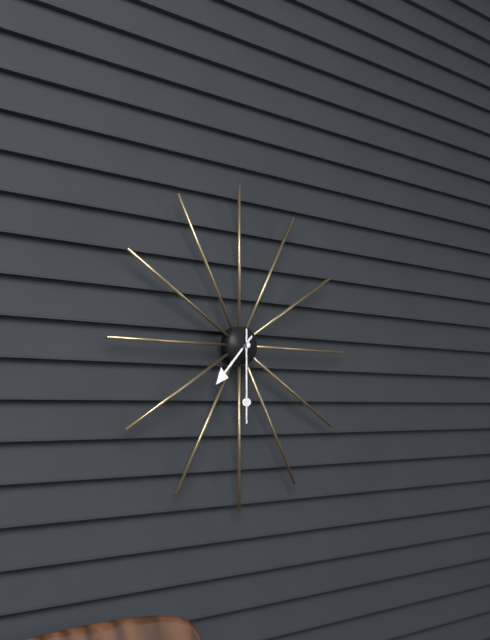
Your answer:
{"hour": 7, "minute": 30}
